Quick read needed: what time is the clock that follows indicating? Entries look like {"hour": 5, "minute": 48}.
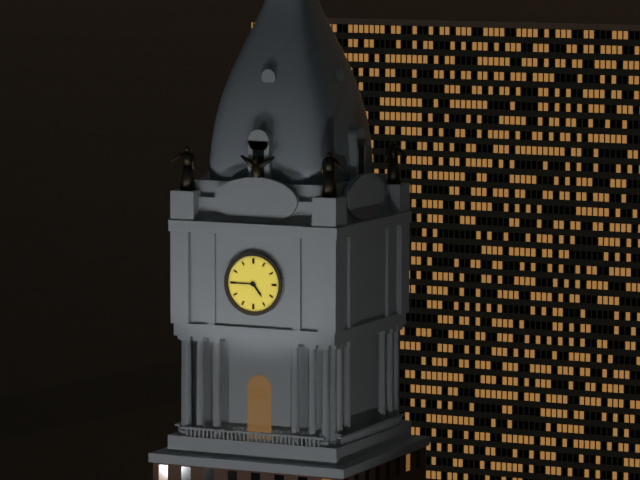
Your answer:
{"hour": 4, "minute": 45}
